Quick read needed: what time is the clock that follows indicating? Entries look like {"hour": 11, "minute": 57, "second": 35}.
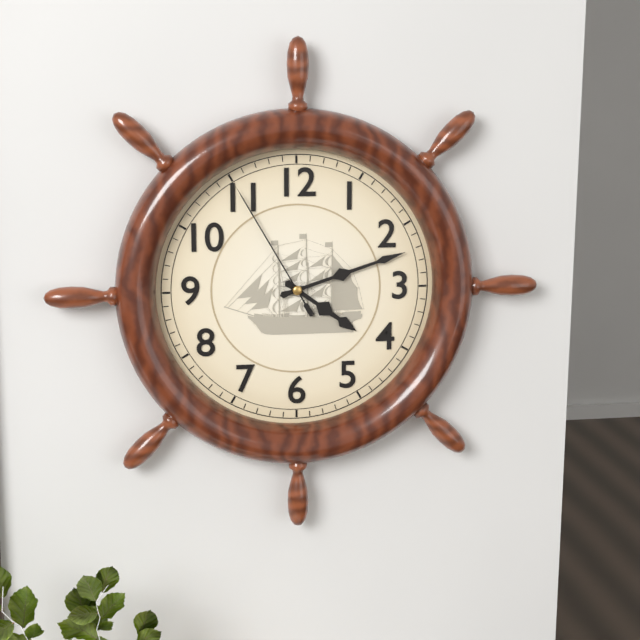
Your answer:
{"hour": 4, "minute": 12, "second": 55}
